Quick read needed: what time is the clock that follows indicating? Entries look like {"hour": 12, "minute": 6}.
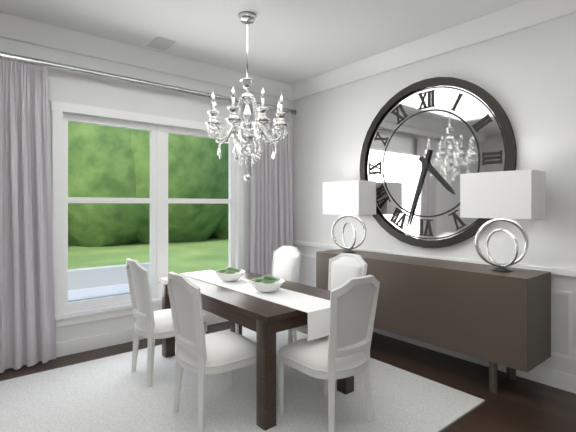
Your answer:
{"hour": 4, "minute": 33}
